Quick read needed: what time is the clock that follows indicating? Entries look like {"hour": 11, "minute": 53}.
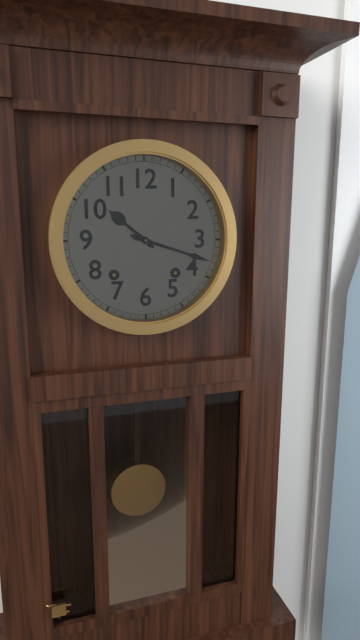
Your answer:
{"hour": 10, "minute": 18}
